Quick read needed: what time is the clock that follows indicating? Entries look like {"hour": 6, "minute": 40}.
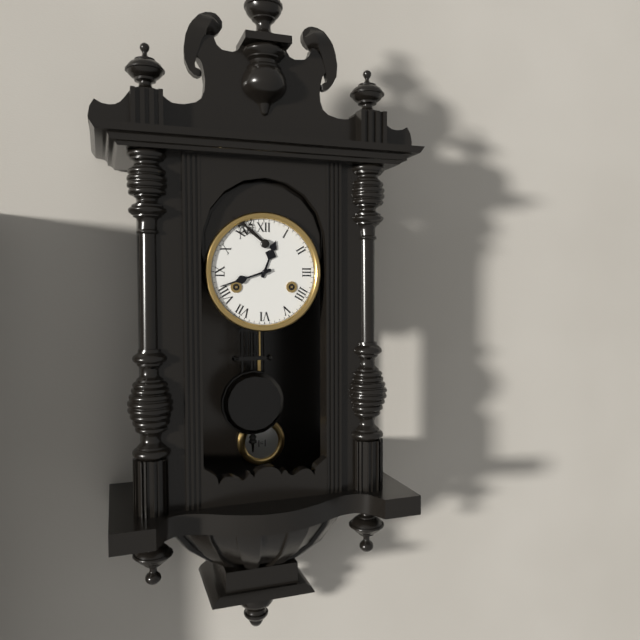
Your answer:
{"hour": 12, "minute": 42}
